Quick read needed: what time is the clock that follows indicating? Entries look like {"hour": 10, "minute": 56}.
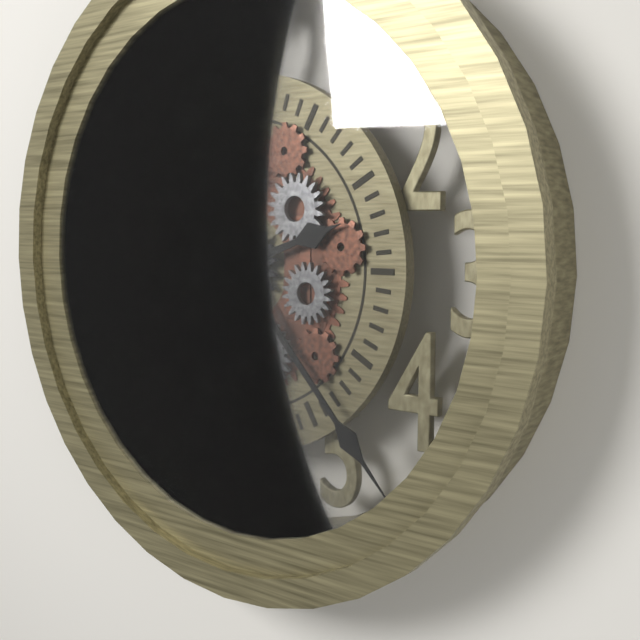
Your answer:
{"hour": 2, "minute": 23}
